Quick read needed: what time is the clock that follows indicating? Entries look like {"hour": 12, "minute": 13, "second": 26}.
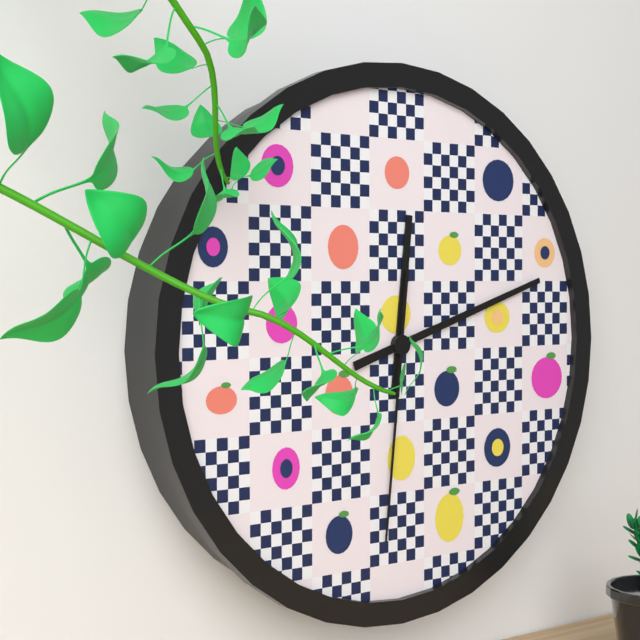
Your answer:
{"hour": 12, "minute": 12, "second": 31}
